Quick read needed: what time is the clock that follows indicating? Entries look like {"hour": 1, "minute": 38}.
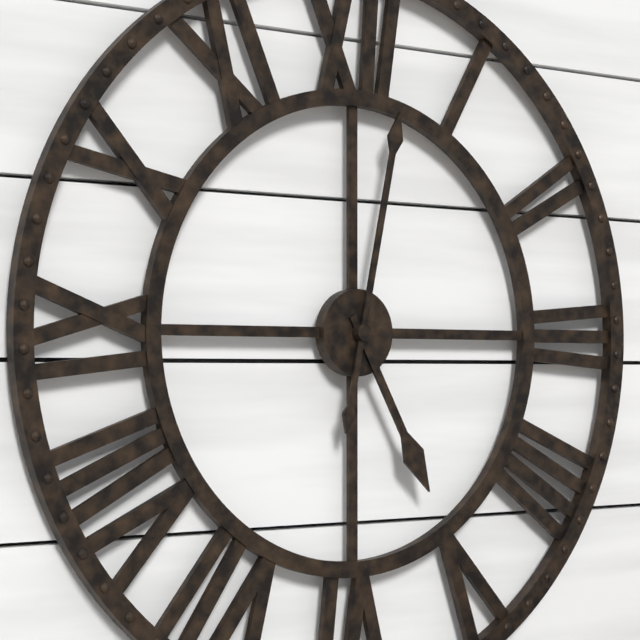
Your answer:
{"hour": 5, "minute": 2}
